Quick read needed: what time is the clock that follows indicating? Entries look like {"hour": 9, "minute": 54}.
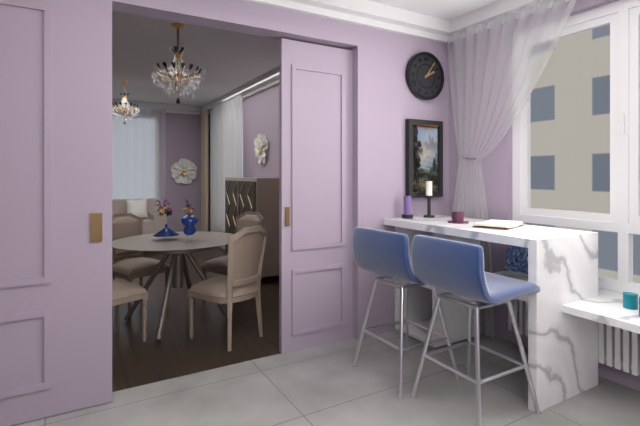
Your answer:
{"hour": 2, "minute": 6}
